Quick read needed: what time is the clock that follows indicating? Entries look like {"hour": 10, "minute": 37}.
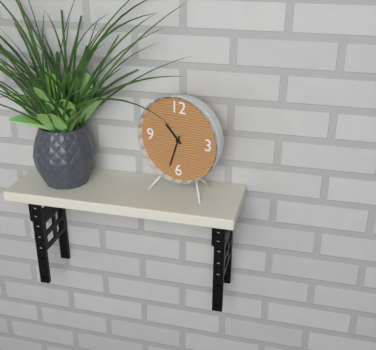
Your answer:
{"hour": 10, "minute": 33}
